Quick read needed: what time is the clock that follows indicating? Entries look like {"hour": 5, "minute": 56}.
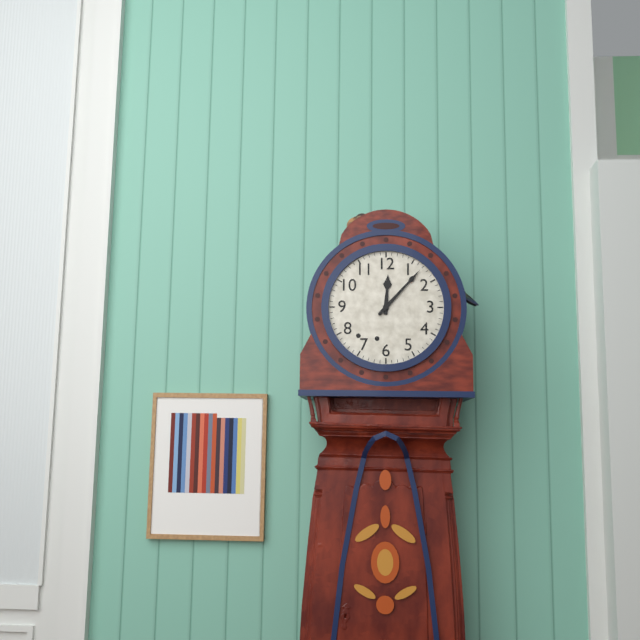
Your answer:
{"hour": 12, "minute": 7}
